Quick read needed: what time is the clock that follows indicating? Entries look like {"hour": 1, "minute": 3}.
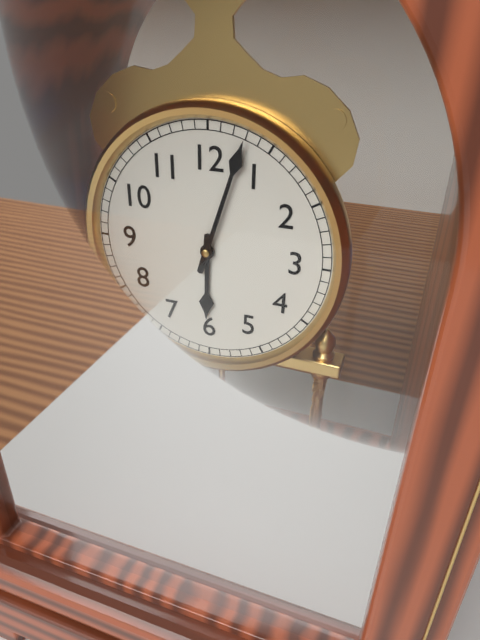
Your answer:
{"hour": 6, "minute": 3}
